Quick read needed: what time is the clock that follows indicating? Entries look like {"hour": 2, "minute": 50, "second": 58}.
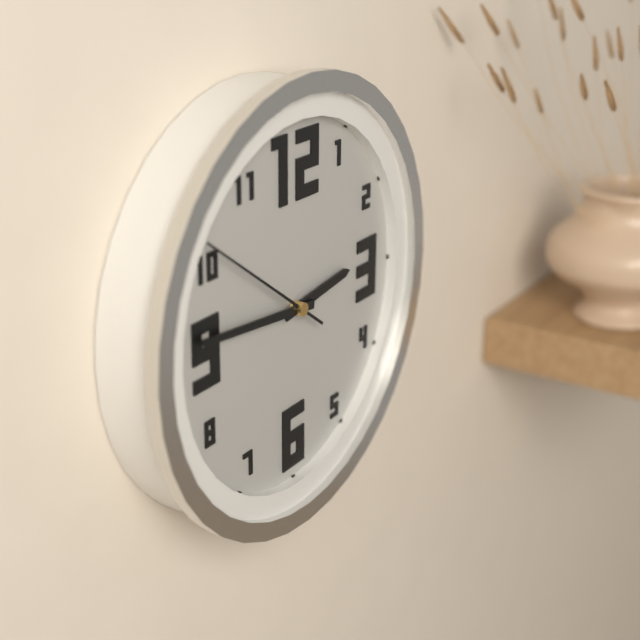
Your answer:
{"hour": 2, "minute": 46, "second": 51}
